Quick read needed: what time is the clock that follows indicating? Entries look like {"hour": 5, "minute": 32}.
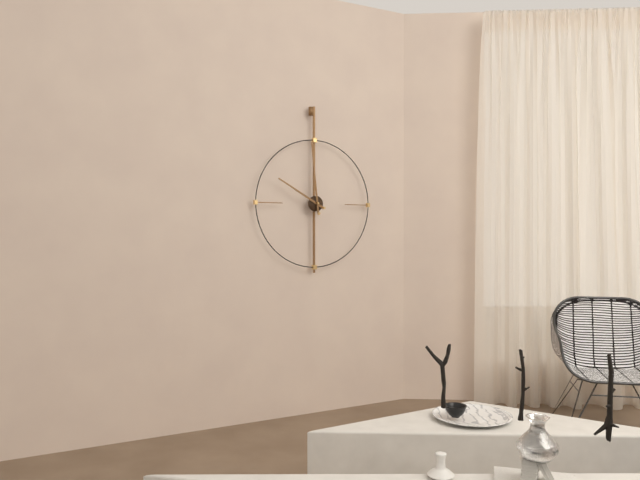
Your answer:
{"hour": 9, "minute": 59}
